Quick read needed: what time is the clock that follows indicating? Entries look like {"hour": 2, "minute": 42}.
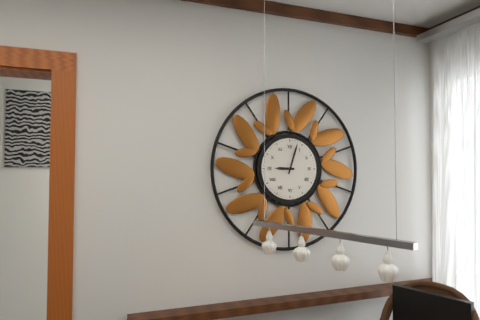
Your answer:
{"hour": 9, "minute": 3}
